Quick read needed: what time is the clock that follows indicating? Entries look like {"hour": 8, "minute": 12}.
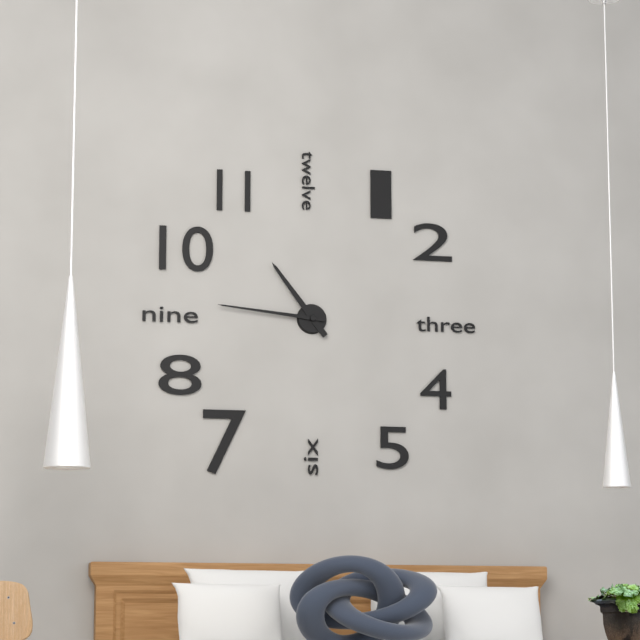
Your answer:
{"hour": 10, "minute": 46}
